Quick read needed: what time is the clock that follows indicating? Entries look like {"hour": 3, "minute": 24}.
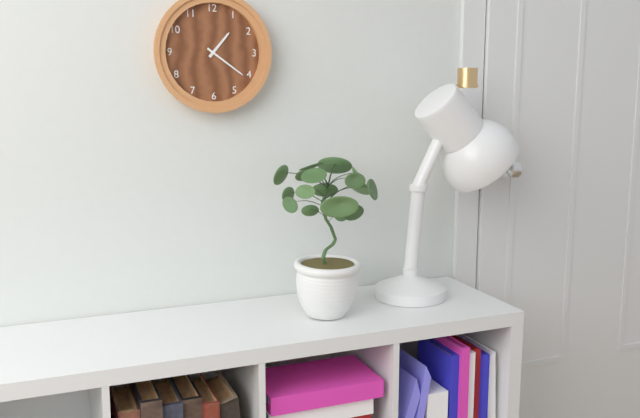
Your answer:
{"hour": 1, "minute": 21}
